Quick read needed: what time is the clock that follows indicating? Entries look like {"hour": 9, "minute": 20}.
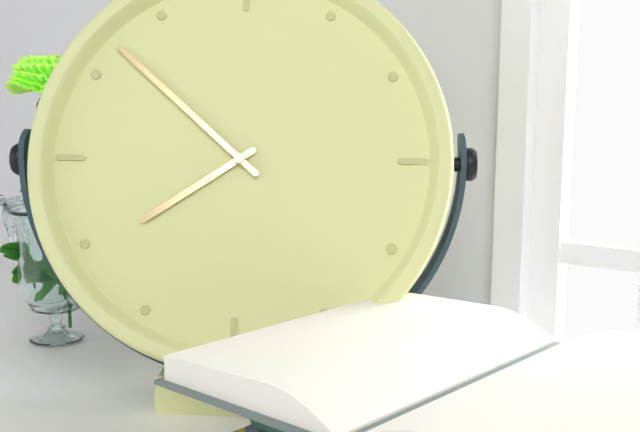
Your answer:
{"hour": 7, "minute": 52}
